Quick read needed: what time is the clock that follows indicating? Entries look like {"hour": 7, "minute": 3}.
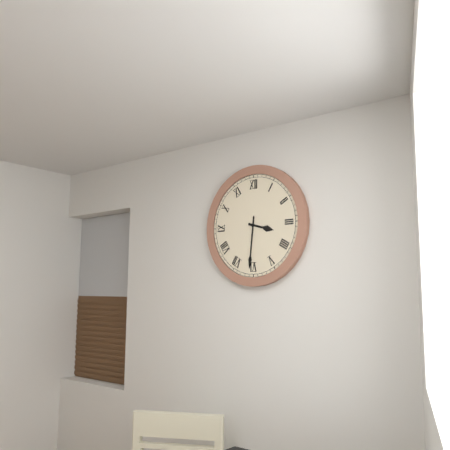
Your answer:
{"hour": 3, "minute": 31}
